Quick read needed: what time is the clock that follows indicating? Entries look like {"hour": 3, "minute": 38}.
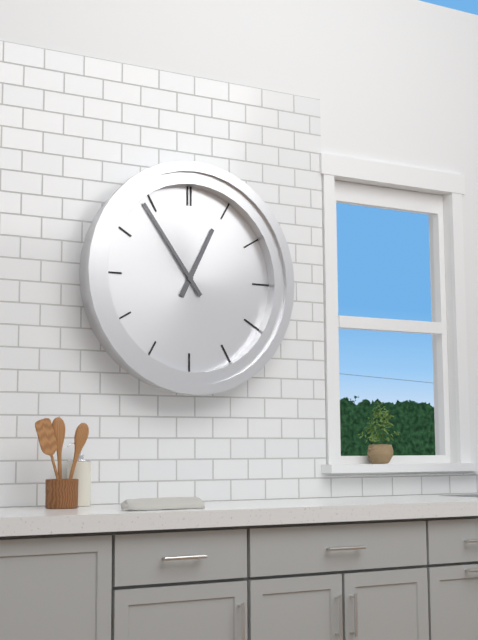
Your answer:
{"hour": 12, "minute": 54}
